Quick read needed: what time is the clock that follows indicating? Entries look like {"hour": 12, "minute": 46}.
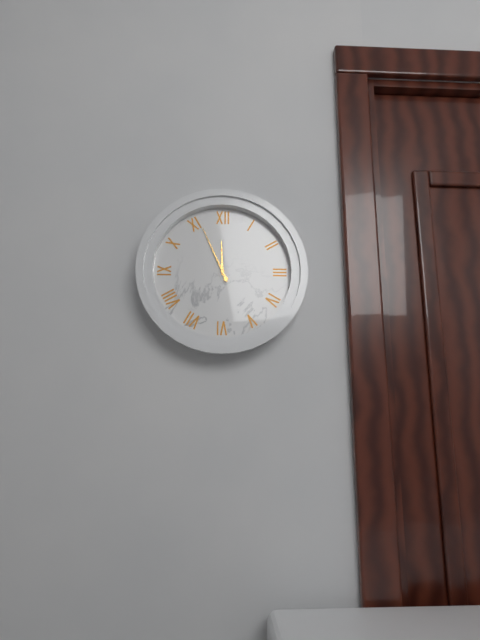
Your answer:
{"hour": 11, "minute": 56}
